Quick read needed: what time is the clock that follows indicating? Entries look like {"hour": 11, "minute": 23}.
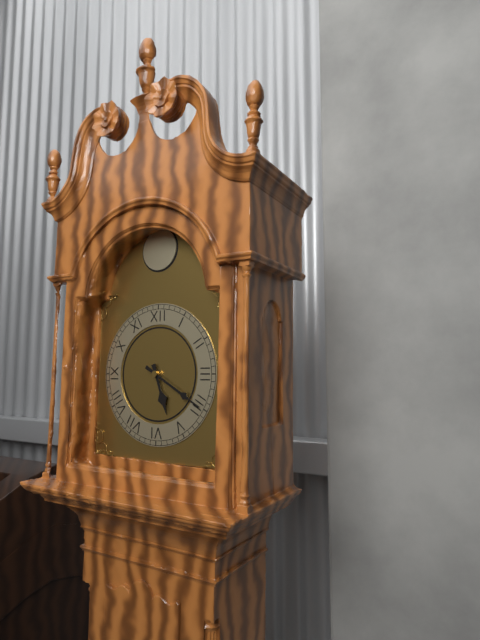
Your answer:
{"hour": 5, "minute": 20}
